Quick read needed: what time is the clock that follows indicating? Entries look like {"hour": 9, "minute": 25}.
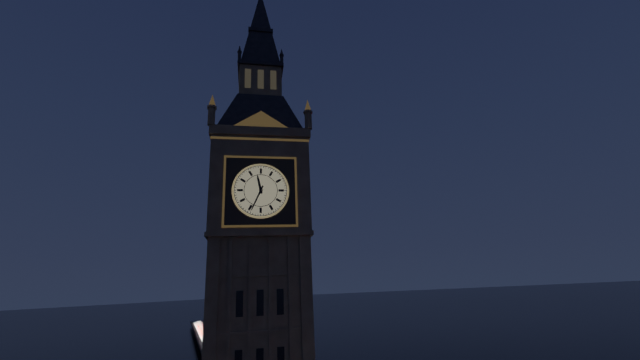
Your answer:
{"hour": 11, "minute": 34}
